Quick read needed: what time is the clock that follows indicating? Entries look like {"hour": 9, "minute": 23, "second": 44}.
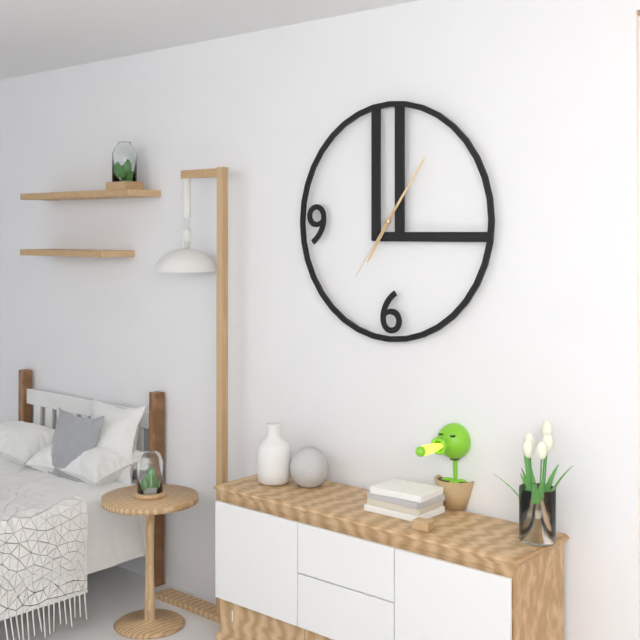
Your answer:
{"hour": 7, "minute": 6, "second": 36}
